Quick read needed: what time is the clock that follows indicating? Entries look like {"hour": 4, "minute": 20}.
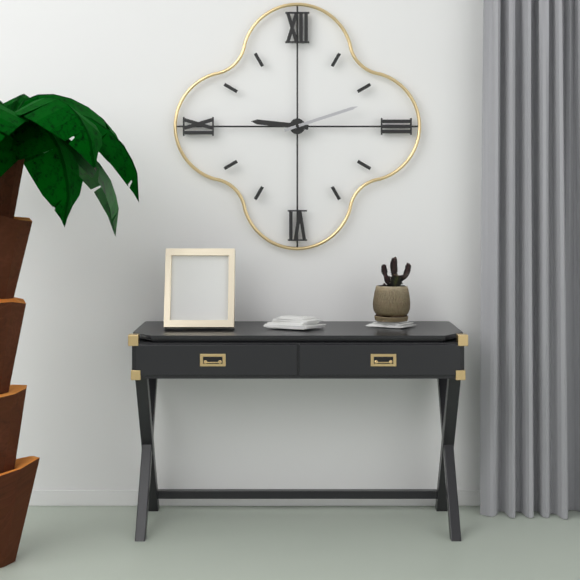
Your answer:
{"hour": 9, "minute": 12}
